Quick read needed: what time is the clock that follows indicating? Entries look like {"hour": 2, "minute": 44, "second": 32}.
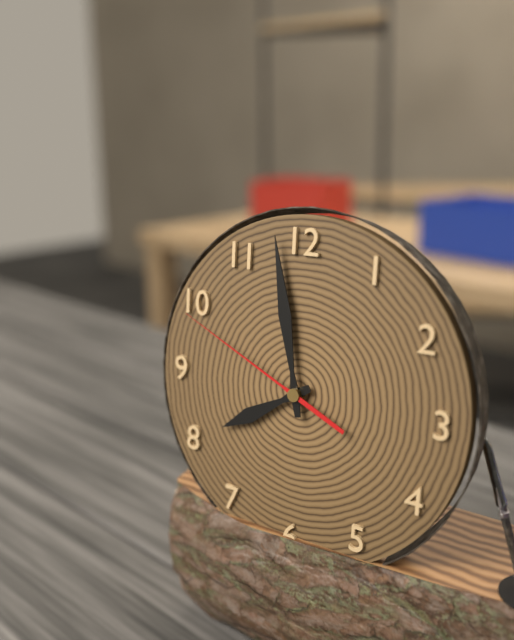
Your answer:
{"hour": 7, "minute": 58, "second": 49}
